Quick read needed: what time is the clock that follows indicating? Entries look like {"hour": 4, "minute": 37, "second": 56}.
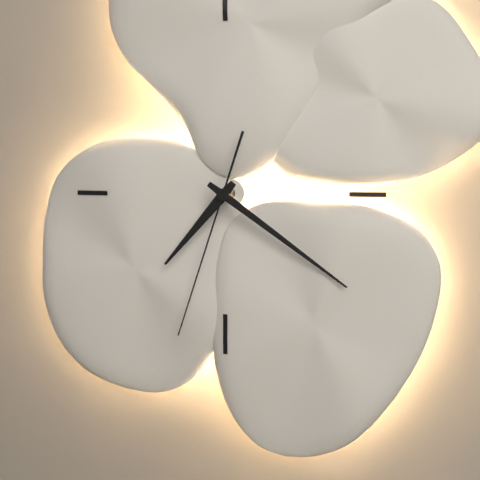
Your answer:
{"hour": 7, "minute": 21, "second": 33}
